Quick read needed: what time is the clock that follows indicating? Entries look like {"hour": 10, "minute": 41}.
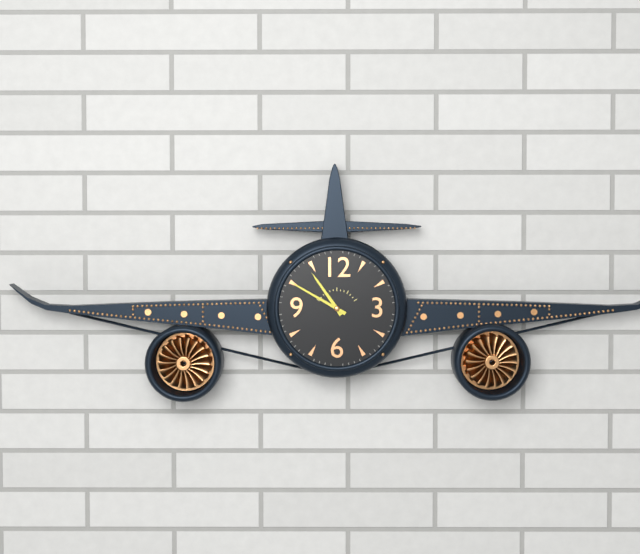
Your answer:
{"hour": 10, "minute": 50}
